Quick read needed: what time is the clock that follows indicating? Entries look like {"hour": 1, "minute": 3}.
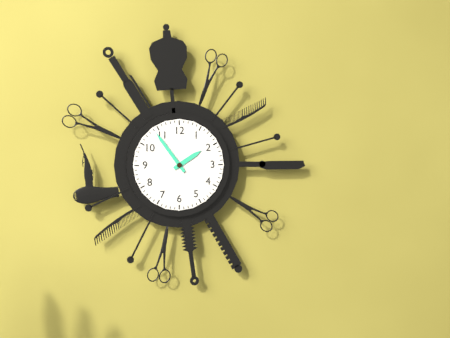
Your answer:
{"hour": 1, "minute": 54}
